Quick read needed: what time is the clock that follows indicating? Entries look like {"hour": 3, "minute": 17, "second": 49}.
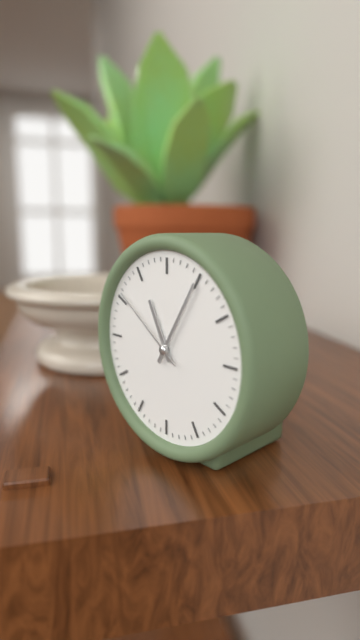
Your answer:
{"hour": 11, "minute": 5, "second": 51}
